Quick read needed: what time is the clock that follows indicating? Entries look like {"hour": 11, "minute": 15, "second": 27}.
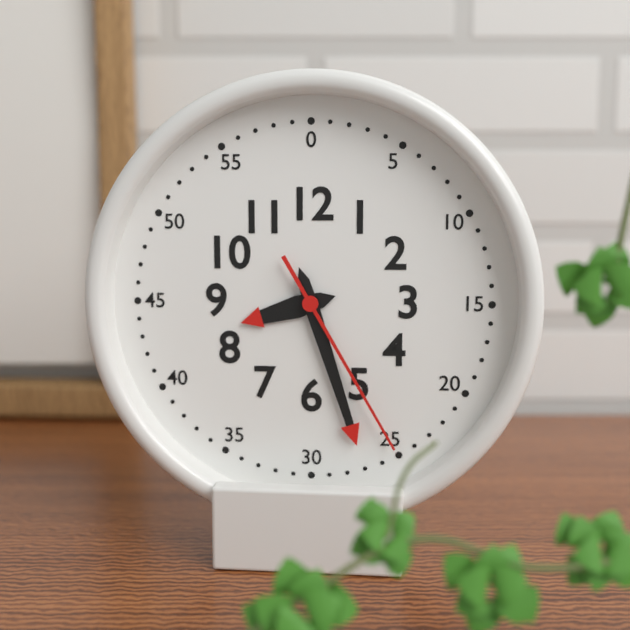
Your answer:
{"hour": 8, "minute": 27, "second": 25}
